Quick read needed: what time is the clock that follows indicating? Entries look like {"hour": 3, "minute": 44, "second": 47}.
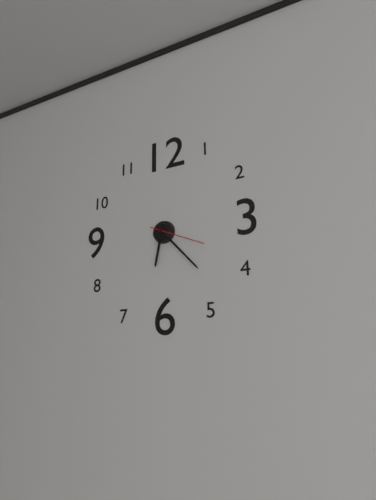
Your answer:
{"hour": 6, "minute": 23, "second": 19}
